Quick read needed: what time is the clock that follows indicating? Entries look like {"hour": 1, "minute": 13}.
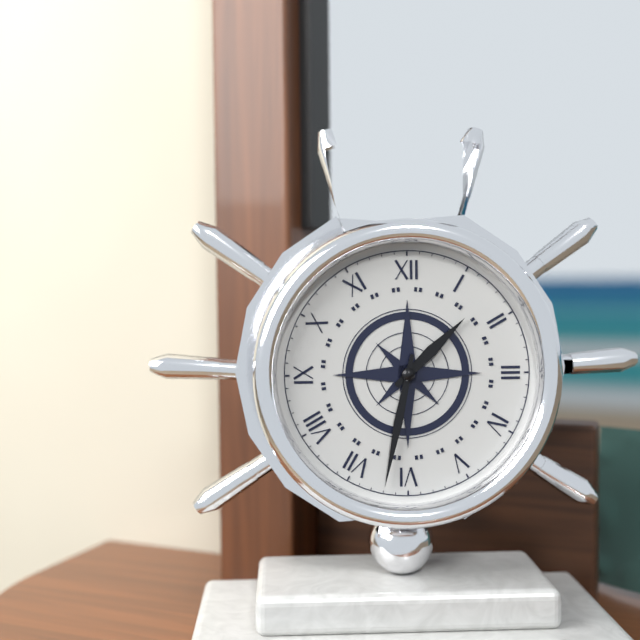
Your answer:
{"hour": 1, "minute": 32}
